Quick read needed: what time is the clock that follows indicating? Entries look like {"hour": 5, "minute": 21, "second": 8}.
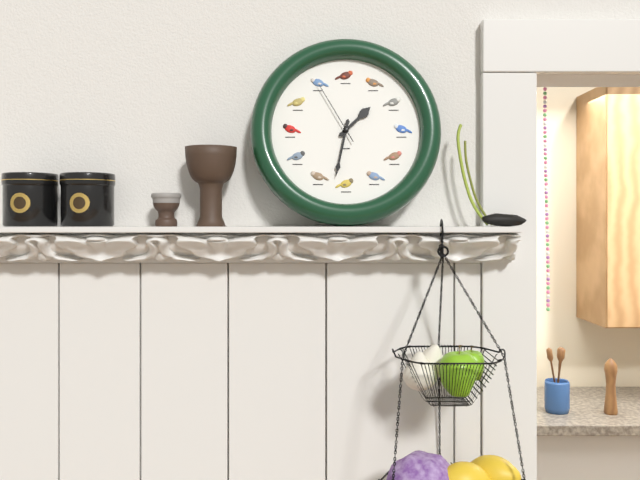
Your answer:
{"hour": 1, "minute": 32, "second": 55}
